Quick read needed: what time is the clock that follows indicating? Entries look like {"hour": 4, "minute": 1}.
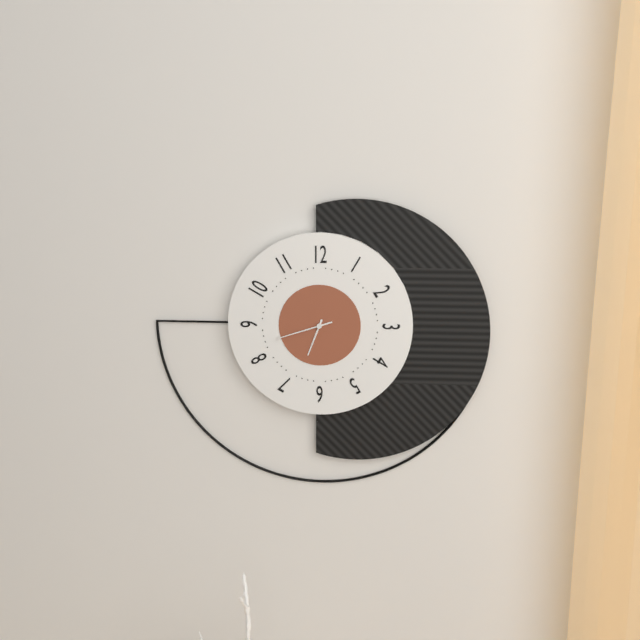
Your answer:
{"hour": 6, "minute": 42}
